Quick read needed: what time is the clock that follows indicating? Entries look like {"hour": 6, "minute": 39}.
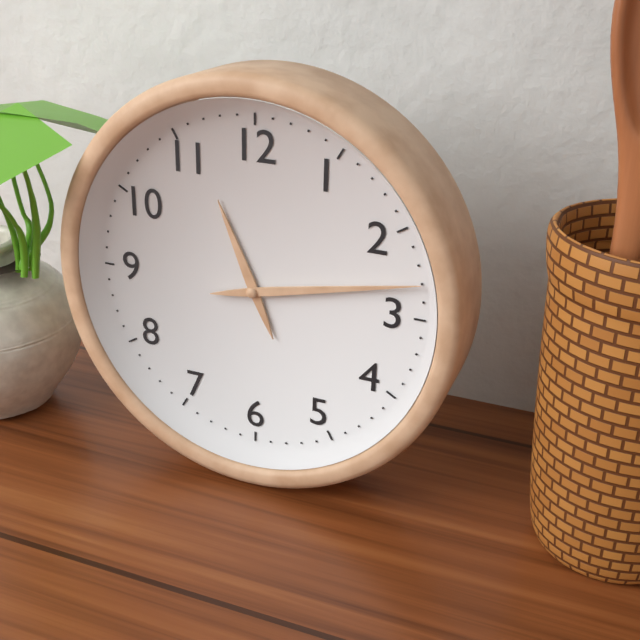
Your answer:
{"hour": 11, "minute": 13}
